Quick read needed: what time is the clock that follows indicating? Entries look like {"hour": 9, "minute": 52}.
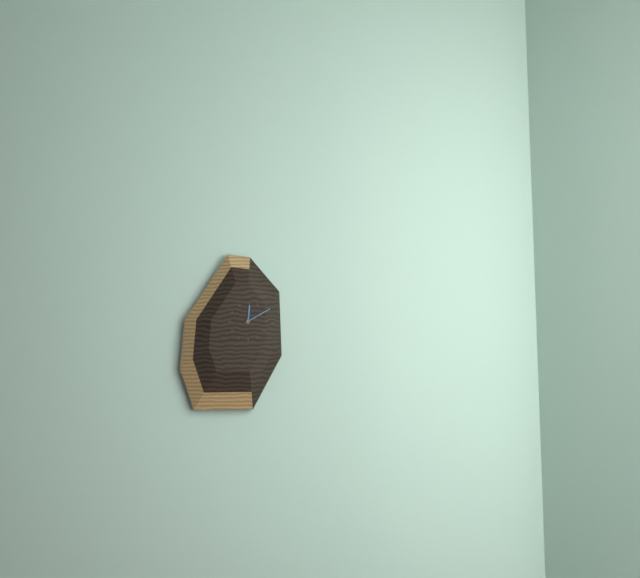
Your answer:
{"hour": 12, "minute": 10}
